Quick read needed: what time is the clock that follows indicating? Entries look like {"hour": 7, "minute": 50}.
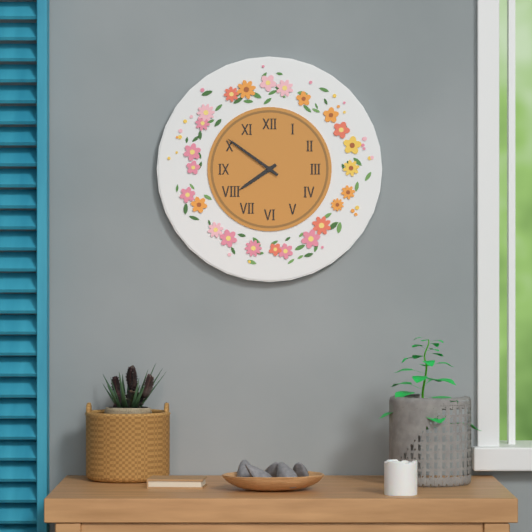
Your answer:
{"hour": 7, "minute": 51}
